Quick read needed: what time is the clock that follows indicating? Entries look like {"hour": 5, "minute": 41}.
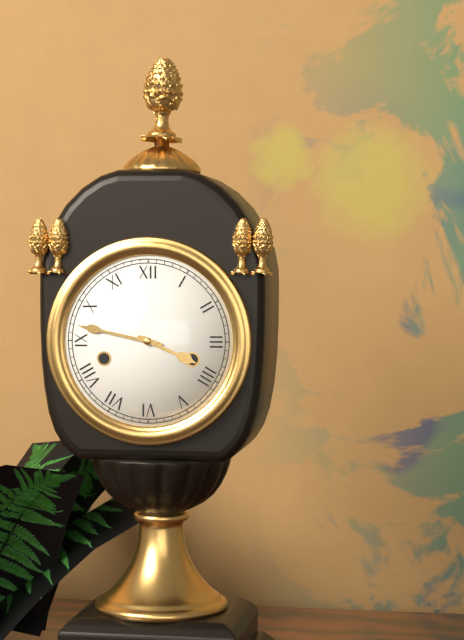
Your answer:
{"hour": 3, "minute": 47}
